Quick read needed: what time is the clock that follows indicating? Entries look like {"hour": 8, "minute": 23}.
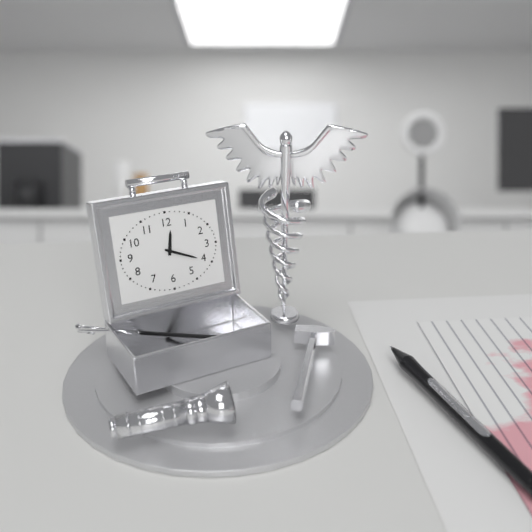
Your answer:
{"hour": 12, "minute": 19}
